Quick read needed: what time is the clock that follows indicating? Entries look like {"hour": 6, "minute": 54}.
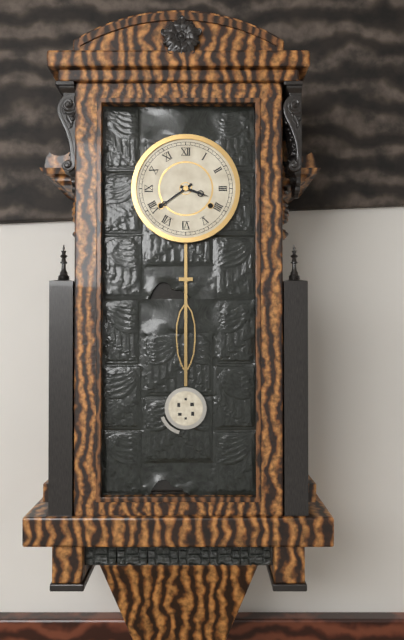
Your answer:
{"hour": 3, "minute": 39}
